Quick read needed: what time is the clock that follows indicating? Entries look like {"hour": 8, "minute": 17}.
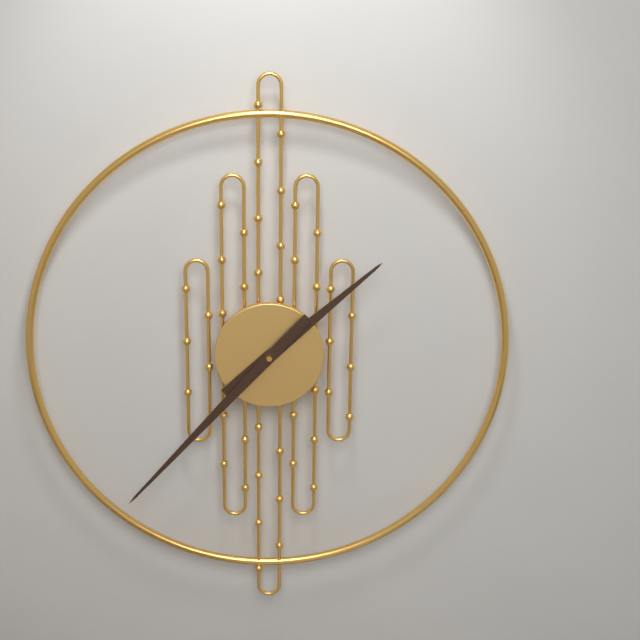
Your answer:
{"hour": 1, "minute": 37}
